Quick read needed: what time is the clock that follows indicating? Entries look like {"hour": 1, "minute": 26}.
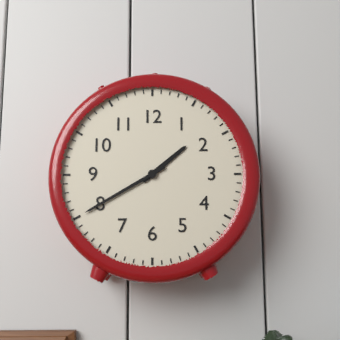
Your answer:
{"hour": 1, "minute": 40}
